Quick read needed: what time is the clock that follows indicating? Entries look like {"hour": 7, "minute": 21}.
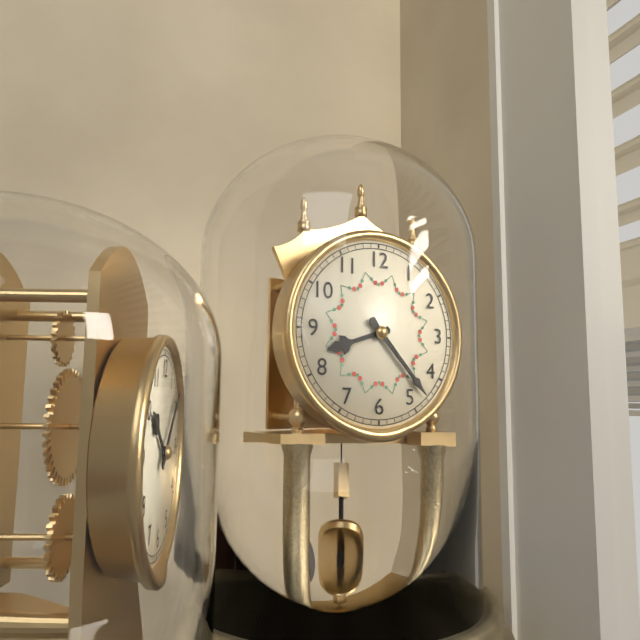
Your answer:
{"hour": 8, "minute": 23}
